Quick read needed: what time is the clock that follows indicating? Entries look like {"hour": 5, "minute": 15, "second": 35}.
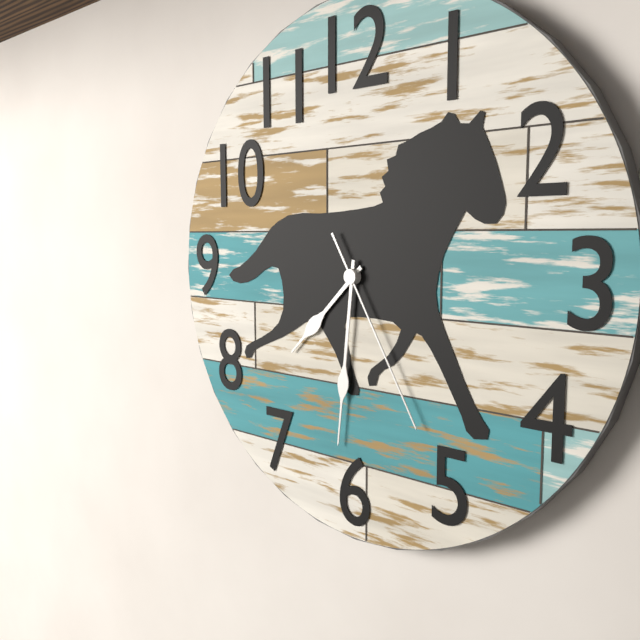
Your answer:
{"hour": 7, "minute": 31, "second": 25}
